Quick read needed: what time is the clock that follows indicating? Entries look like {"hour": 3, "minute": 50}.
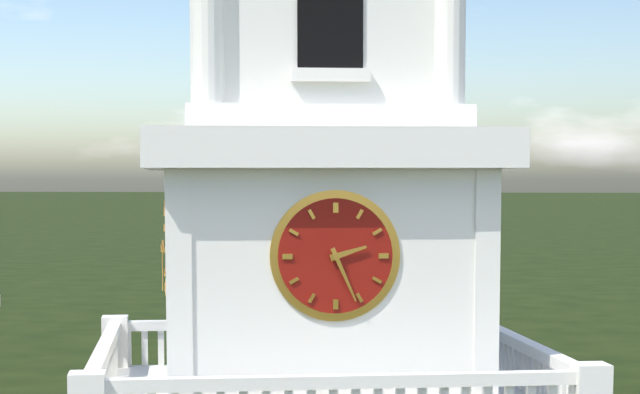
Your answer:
{"hour": 2, "minute": 26}
